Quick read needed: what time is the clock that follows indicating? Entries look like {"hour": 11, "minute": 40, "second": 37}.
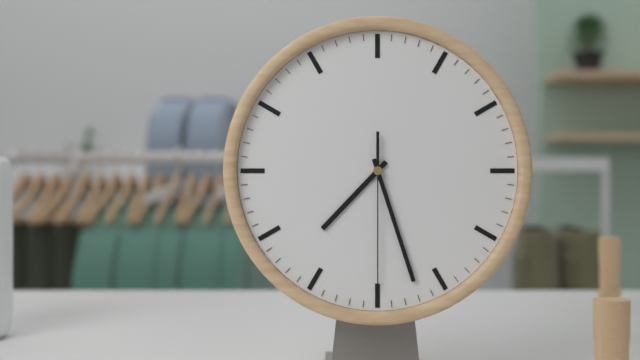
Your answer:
{"hour": 7, "minute": 27, "second": 30}
